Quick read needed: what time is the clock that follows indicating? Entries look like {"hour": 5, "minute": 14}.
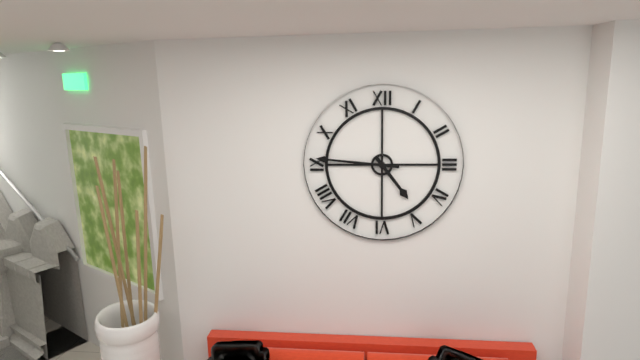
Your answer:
{"hour": 4, "minute": 46}
